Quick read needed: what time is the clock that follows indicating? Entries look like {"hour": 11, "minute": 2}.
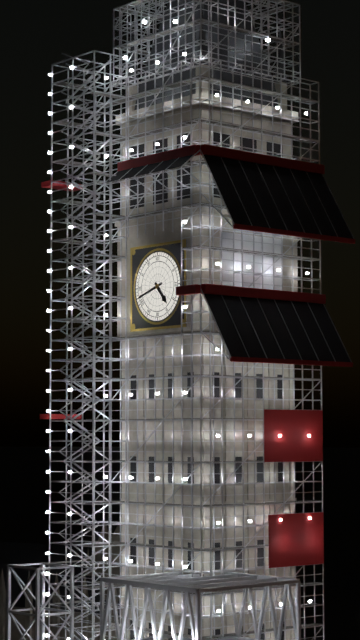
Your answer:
{"hour": 4, "minute": 42}
